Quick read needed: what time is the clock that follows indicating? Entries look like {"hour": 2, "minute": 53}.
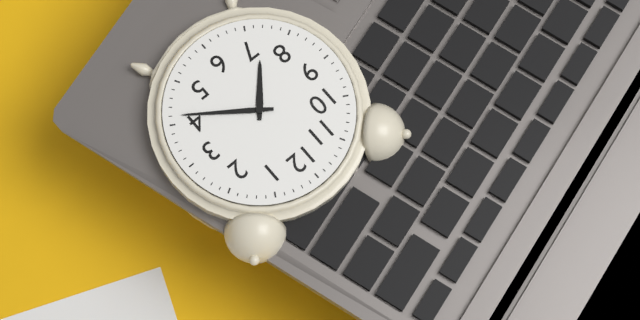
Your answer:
{"hour": 7, "minute": 21}
